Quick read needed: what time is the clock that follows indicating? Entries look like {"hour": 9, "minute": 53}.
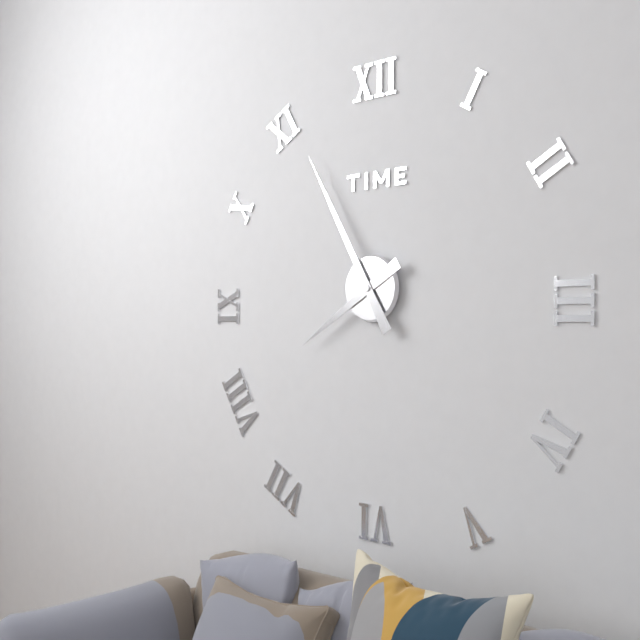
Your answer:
{"hour": 7, "minute": 55}
